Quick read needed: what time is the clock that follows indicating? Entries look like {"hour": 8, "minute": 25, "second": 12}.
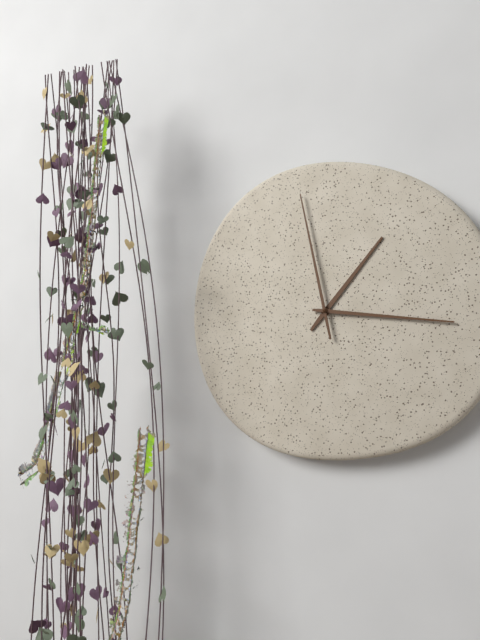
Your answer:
{"hour": 1, "minute": 16, "second": 58}
